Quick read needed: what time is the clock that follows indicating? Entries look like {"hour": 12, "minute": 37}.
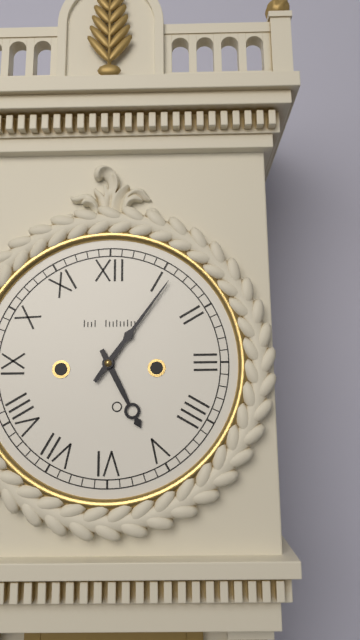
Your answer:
{"hour": 5, "minute": 6}
